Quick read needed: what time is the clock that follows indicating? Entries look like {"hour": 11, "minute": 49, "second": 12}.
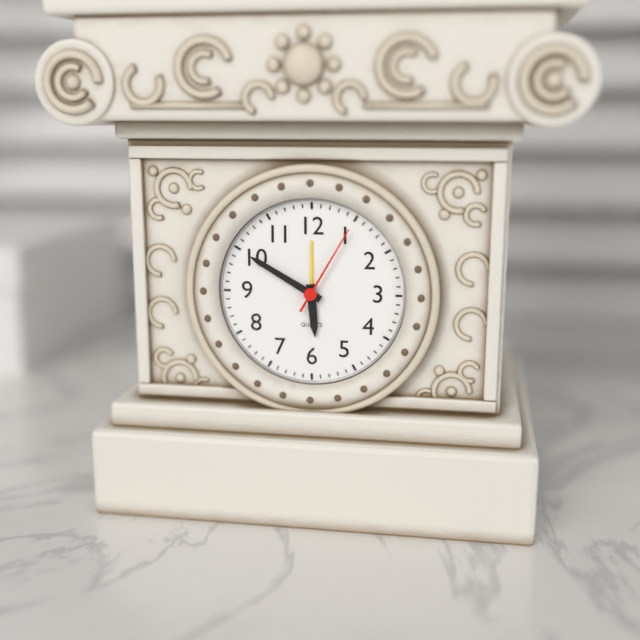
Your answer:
{"hour": 5, "minute": 50, "second": 5}
